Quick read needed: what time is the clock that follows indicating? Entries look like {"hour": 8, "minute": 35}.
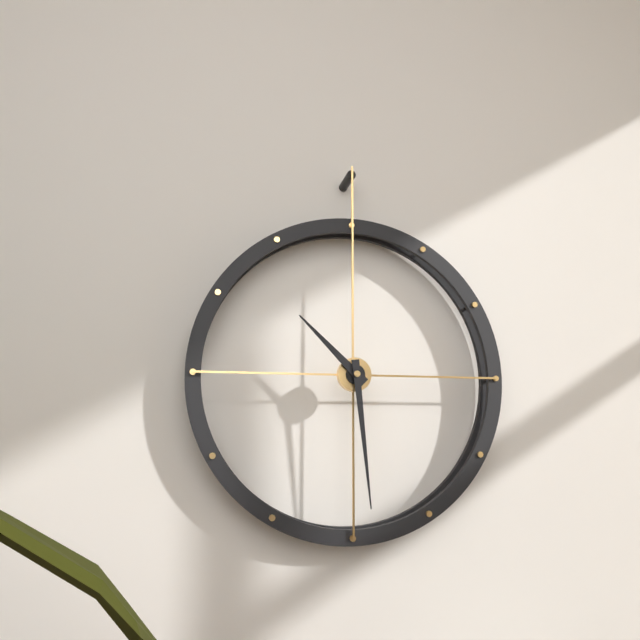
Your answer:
{"hour": 10, "minute": 29}
